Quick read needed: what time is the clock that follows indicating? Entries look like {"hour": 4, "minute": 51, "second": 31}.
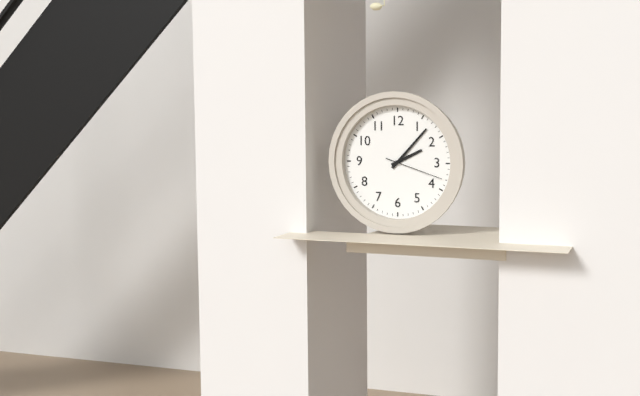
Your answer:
{"hour": 2, "minute": 7, "second": 18}
